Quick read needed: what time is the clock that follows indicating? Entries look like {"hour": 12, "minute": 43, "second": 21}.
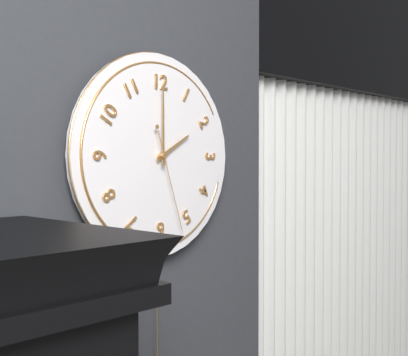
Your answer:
{"hour": 2, "minute": 0, "second": 27}
